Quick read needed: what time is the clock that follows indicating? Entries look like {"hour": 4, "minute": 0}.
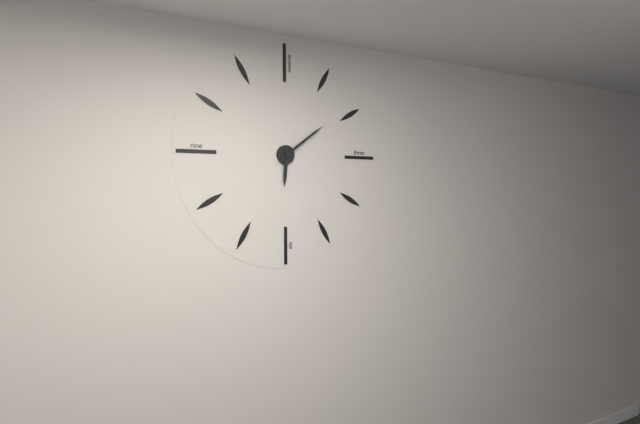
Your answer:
{"hour": 6, "minute": 9}
